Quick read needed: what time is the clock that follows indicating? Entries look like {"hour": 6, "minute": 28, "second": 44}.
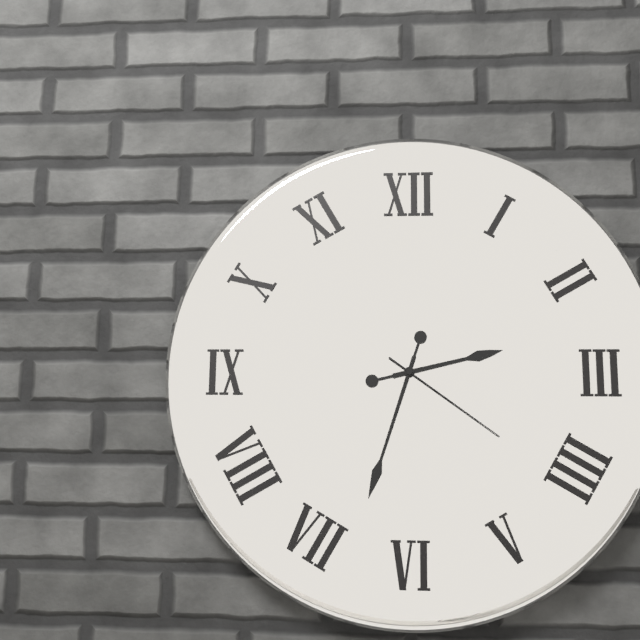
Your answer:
{"hour": 2, "minute": 33, "second": 21}
